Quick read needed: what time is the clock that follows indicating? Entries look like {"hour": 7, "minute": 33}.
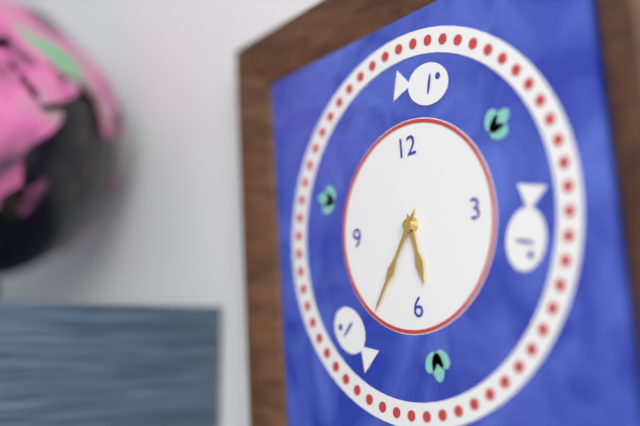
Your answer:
{"hour": 5, "minute": 36}
